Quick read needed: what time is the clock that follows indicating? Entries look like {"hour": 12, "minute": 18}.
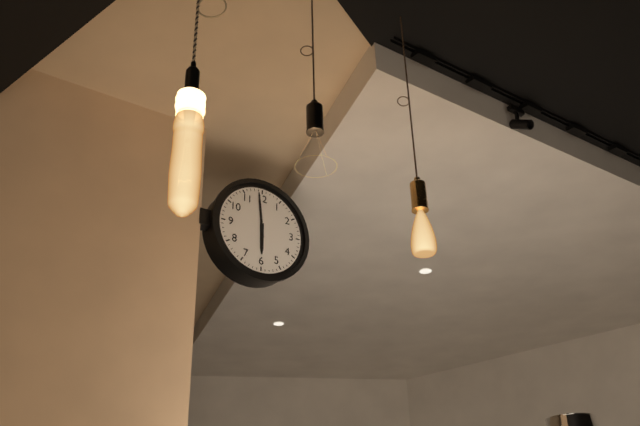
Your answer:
{"hour": 5, "minute": 59}
